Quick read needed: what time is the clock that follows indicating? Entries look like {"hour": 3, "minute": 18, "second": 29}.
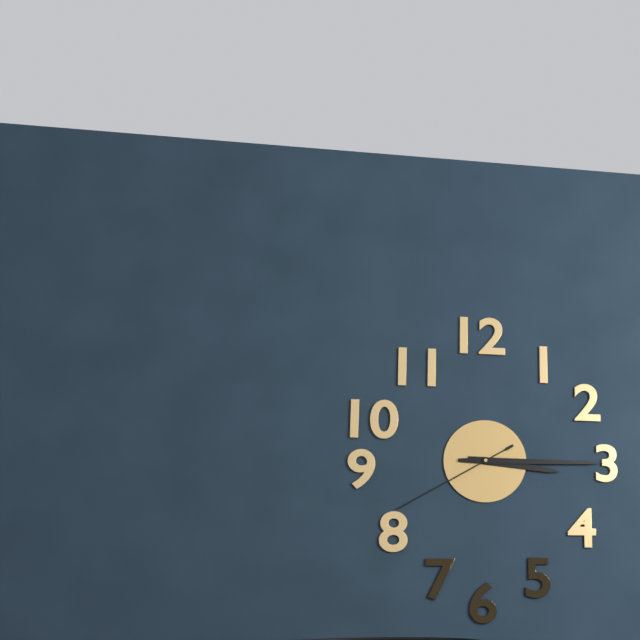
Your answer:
{"hour": 3, "minute": 15, "second": 40}
